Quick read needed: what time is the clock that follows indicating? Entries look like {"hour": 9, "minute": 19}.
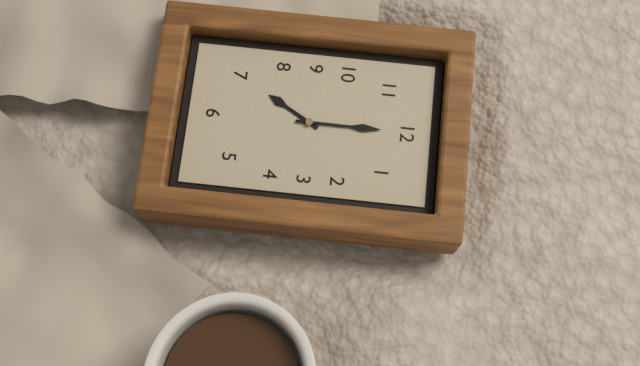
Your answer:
{"hour": 7, "minute": 0}
